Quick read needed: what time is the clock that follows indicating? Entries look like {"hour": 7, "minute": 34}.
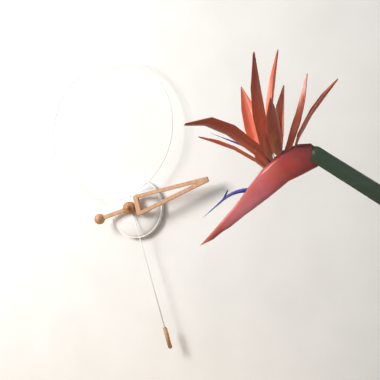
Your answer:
{"hour": 2, "minute": 27}
